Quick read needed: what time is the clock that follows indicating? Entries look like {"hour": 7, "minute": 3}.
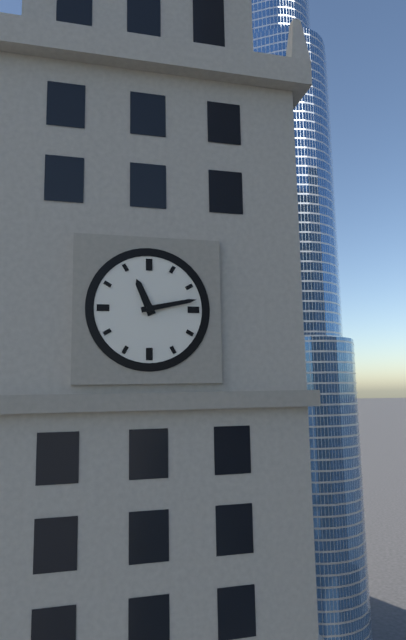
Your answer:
{"hour": 11, "minute": 13}
